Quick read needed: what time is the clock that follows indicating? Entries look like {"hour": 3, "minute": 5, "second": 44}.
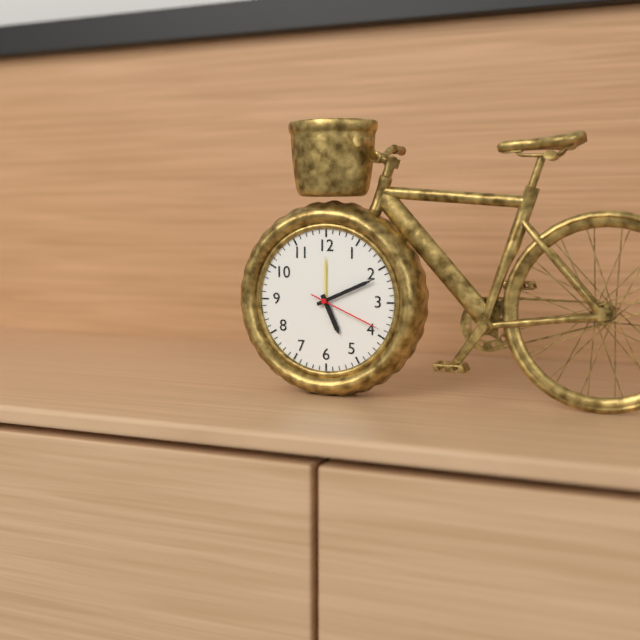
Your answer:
{"hour": 5, "minute": 11, "second": 19}
